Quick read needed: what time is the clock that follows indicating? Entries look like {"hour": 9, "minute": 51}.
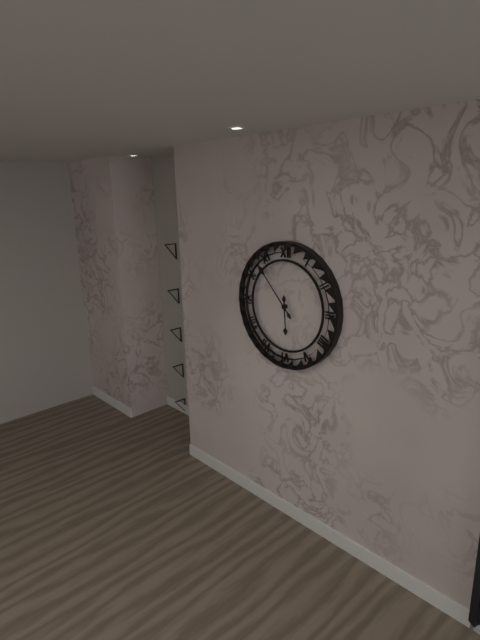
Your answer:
{"hour": 5, "minute": 53}
